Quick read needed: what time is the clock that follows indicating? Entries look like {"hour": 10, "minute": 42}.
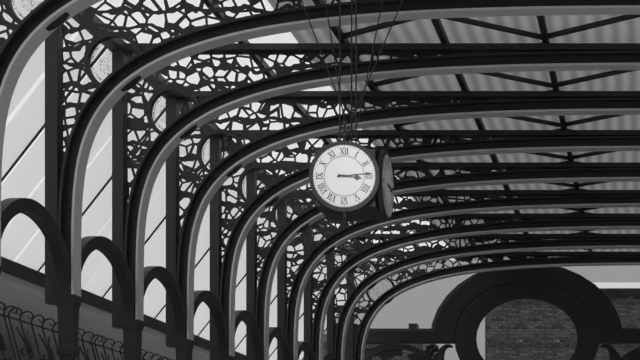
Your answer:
{"hour": 3, "minute": 14}
